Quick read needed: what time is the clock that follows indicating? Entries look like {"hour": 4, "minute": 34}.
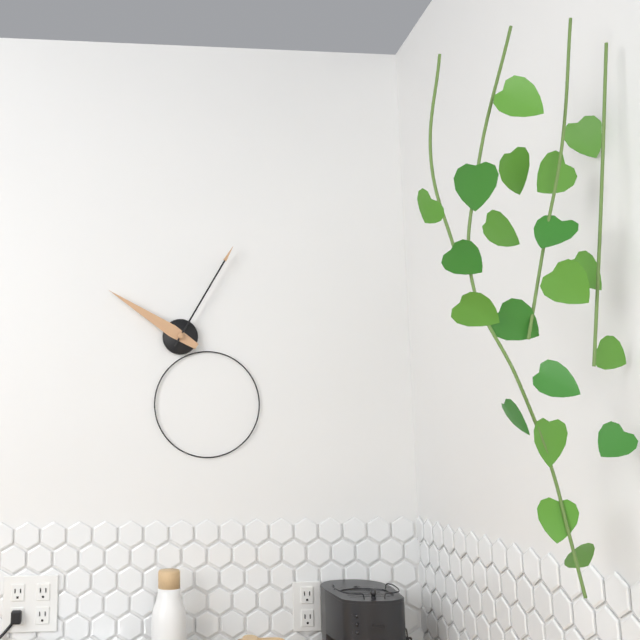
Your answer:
{"hour": 10, "minute": 5}
